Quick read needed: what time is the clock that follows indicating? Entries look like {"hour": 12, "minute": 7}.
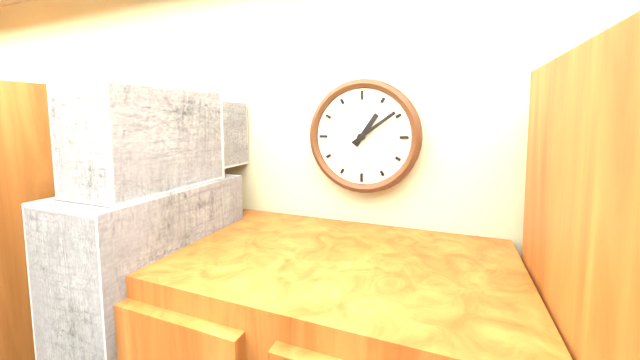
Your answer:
{"hour": 1, "minute": 9}
